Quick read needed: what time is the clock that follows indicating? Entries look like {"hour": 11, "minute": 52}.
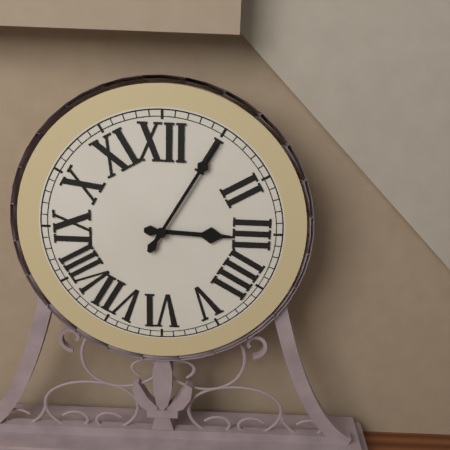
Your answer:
{"hour": 3, "minute": 5}
